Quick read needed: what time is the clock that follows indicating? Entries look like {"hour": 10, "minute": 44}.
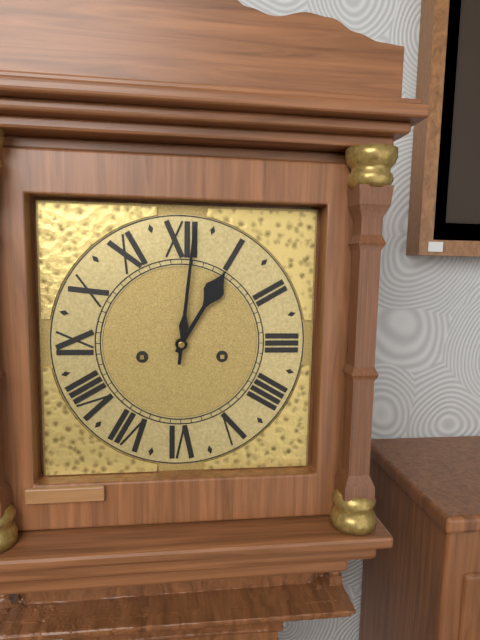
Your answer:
{"hour": 1, "minute": 1}
